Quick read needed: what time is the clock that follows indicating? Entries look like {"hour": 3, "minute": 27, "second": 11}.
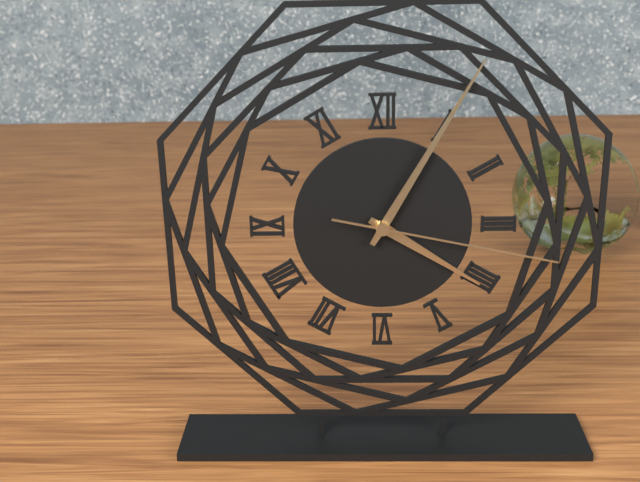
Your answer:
{"hour": 4, "minute": 5, "second": 17}
